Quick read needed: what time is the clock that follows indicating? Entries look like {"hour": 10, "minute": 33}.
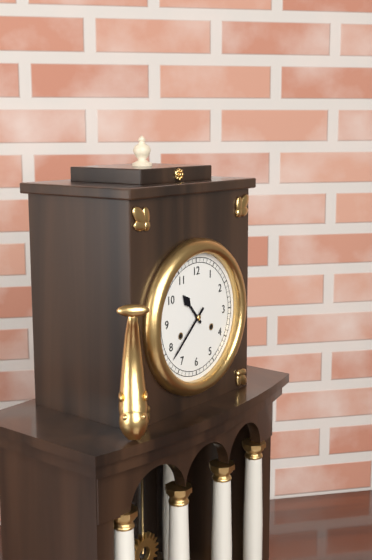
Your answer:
{"hour": 10, "minute": 38}
